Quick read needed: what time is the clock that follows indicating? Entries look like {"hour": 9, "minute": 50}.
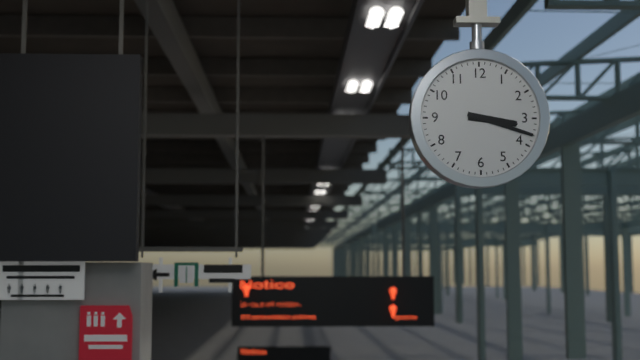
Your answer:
{"hour": 3, "minute": 18}
